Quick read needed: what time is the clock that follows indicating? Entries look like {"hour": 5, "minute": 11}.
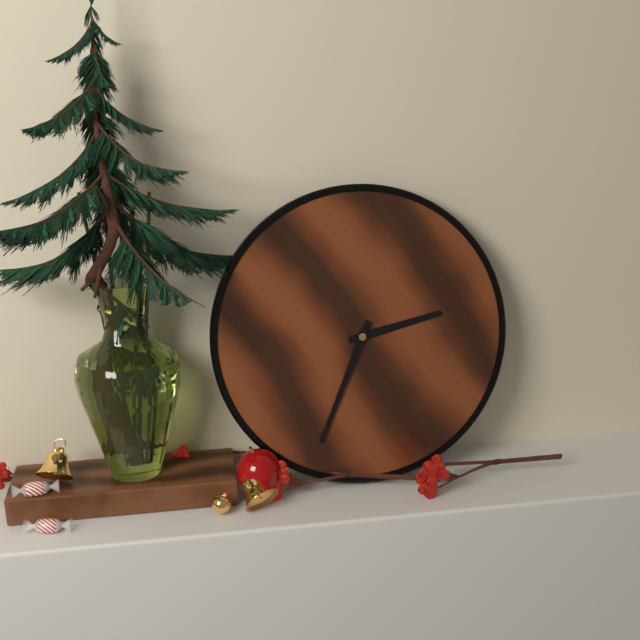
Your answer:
{"hour": 2, "minute": 34}
